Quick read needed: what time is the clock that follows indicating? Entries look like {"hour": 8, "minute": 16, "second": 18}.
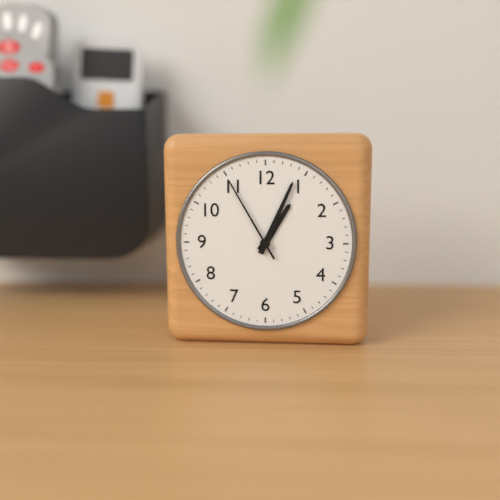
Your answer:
{"hour": 1, "minute": 4, "second": 55}
